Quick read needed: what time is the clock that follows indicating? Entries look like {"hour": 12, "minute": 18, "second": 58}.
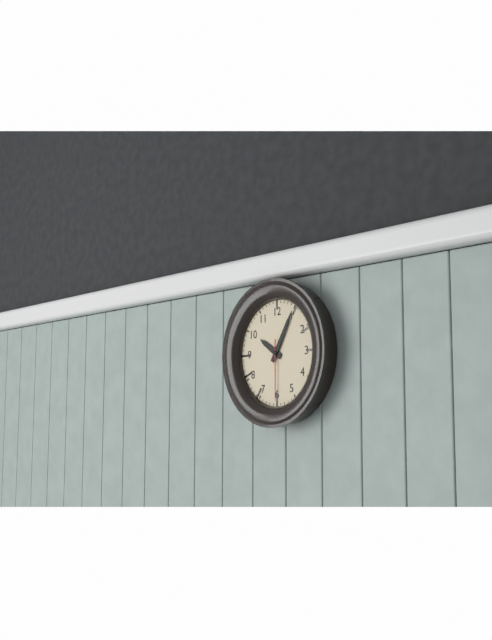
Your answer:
{"hour": 10, "minute": 5, "second": 30}
